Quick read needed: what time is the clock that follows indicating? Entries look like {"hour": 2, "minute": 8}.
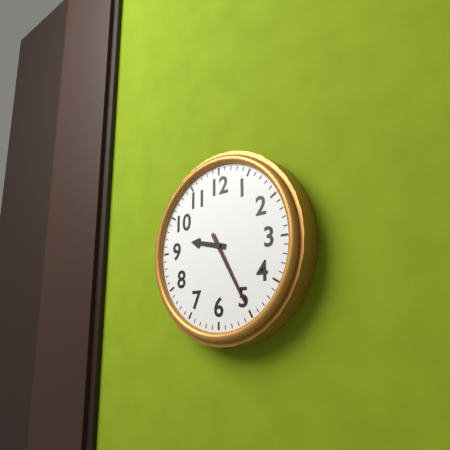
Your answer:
{"hour": 9, "minute": 25}
